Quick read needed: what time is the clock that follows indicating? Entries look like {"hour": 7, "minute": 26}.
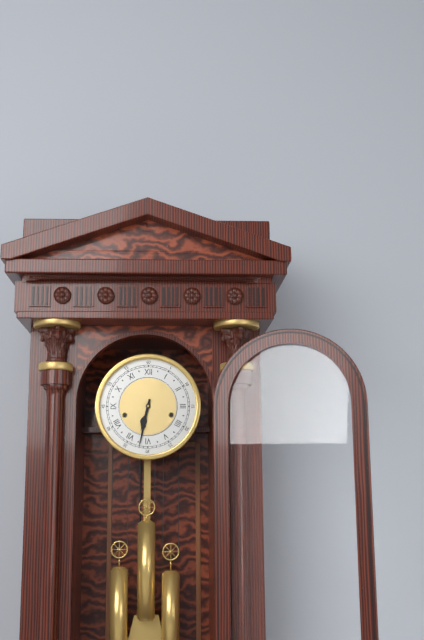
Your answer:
{"hour": 6, "minute": 32}
